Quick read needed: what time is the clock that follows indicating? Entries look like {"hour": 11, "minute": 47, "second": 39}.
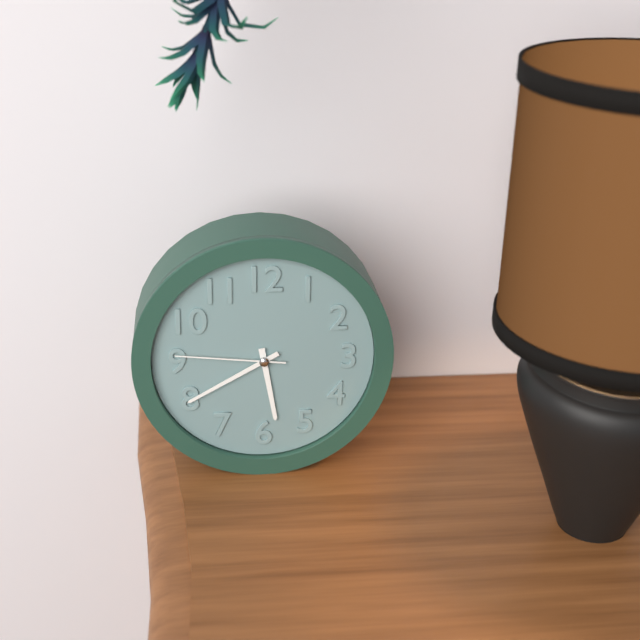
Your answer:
{"hour": 5, "minute": 40, "second": 46}
